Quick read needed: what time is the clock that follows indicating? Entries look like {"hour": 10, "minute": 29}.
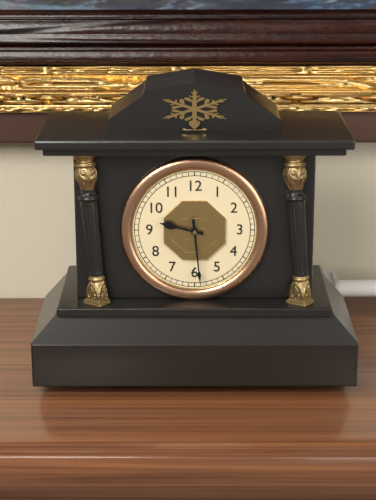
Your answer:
{"hour": 9, "minute": 29}
